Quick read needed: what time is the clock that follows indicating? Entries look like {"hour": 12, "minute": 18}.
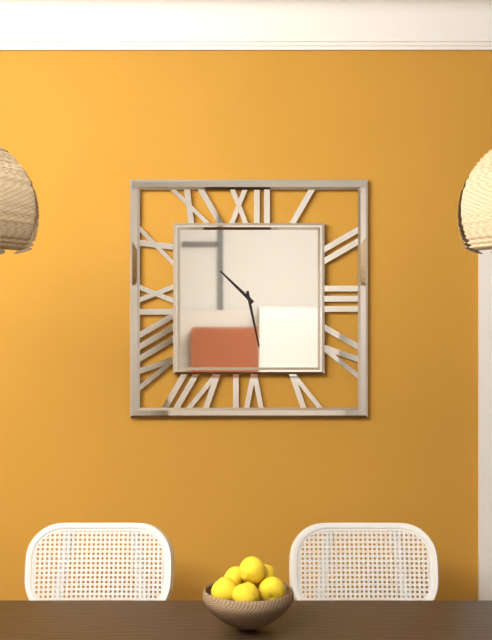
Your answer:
{"hour": 10, "minute": 28}
